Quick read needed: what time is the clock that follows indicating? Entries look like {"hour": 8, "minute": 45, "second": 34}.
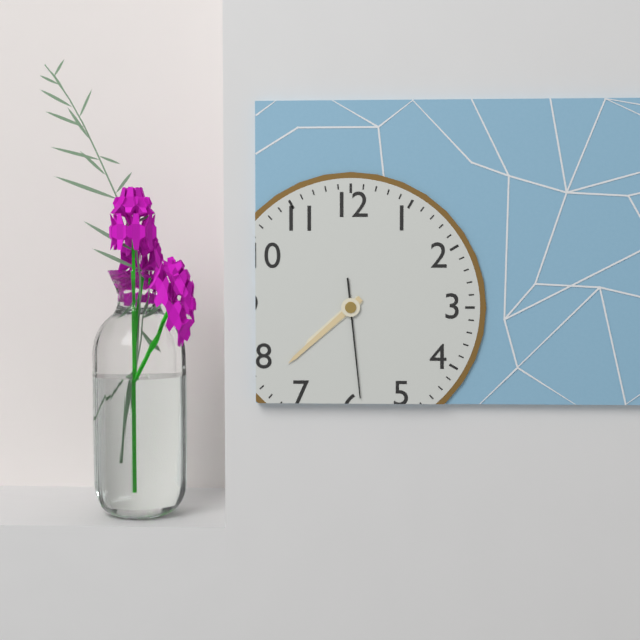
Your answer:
{"hour": 7, "minute": 38, "second": 29}
